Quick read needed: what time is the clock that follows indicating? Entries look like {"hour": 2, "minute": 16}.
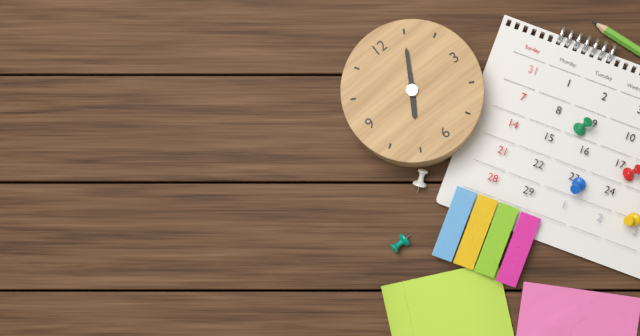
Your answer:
{"hour": 7, "minute": 5}
